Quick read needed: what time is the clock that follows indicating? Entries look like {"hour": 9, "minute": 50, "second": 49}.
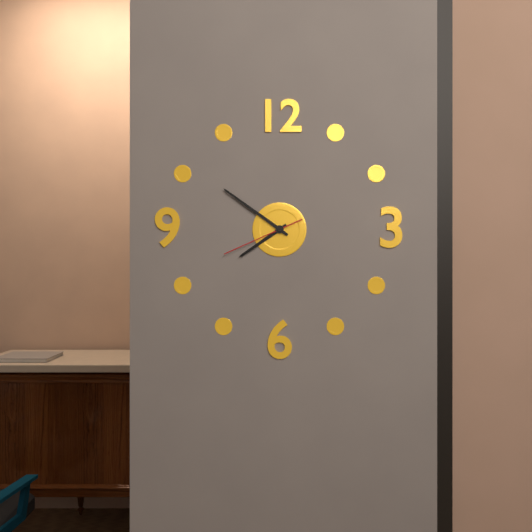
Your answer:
{"hour": 7, "minute": 51, "second": 41}
